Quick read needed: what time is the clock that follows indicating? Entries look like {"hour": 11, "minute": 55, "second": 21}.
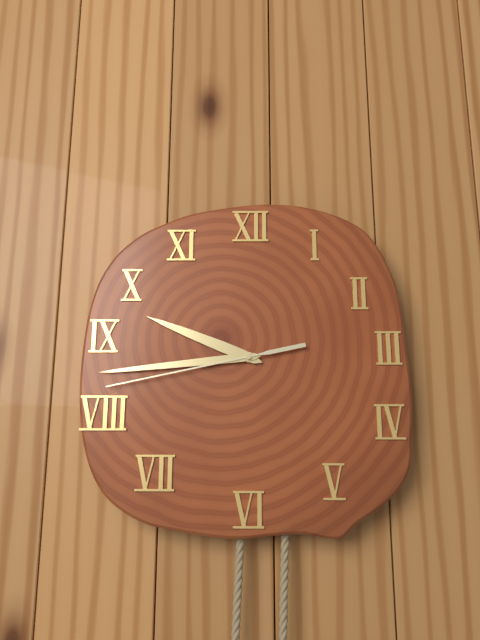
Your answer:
{"hour": 9, "minute": 44, "second": 43}
